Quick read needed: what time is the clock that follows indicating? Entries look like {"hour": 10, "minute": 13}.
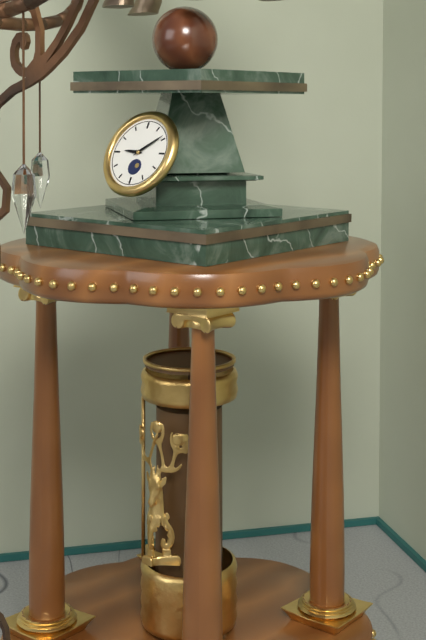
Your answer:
{"hour": 9, "minute": 9}
